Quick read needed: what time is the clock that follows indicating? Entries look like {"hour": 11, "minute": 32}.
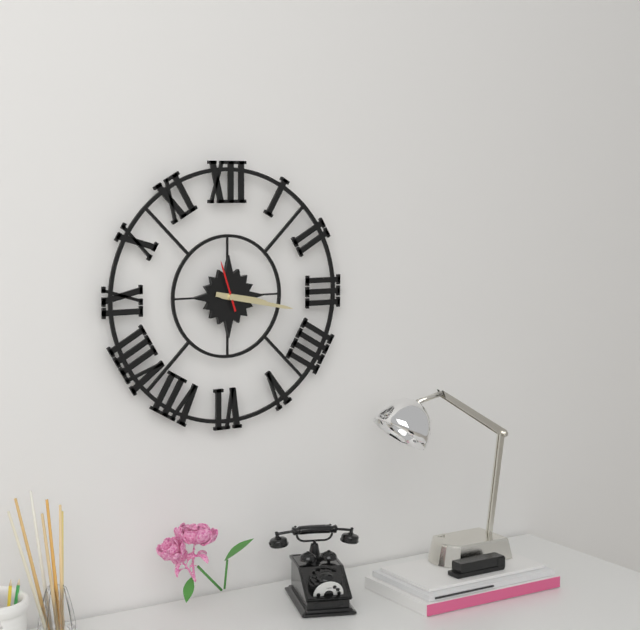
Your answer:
{"hour": 3, "minute": 17}
